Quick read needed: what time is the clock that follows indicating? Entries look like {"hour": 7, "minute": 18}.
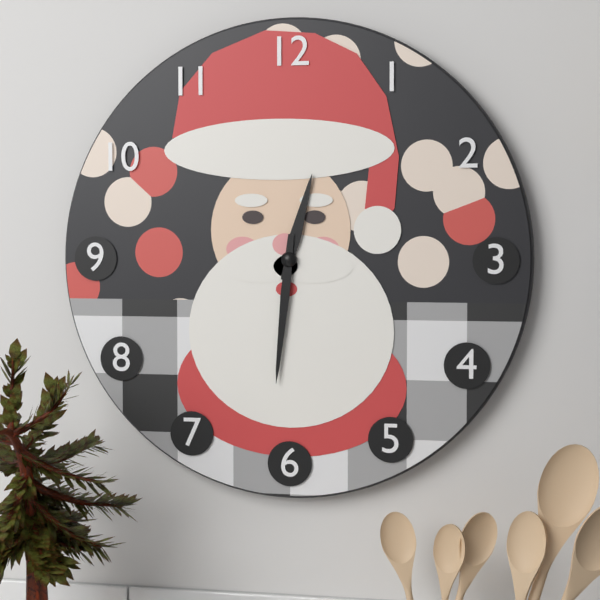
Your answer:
{"hour": 12, "minute": 31}
